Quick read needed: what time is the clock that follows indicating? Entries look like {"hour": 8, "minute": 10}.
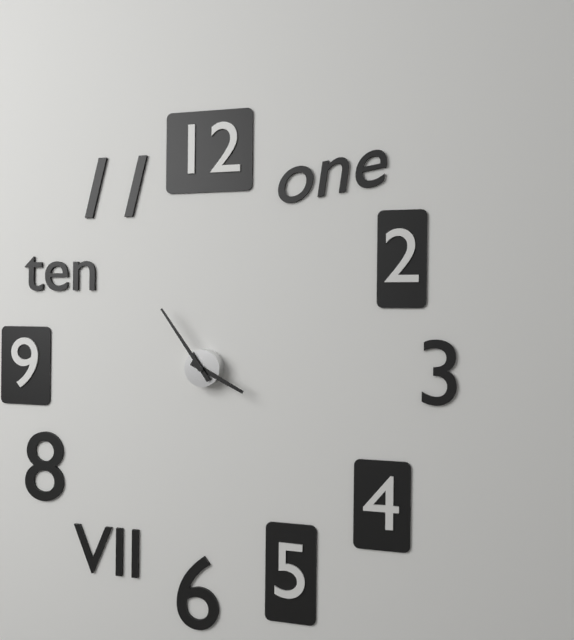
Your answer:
{"hour": 3, "minute": 54}
